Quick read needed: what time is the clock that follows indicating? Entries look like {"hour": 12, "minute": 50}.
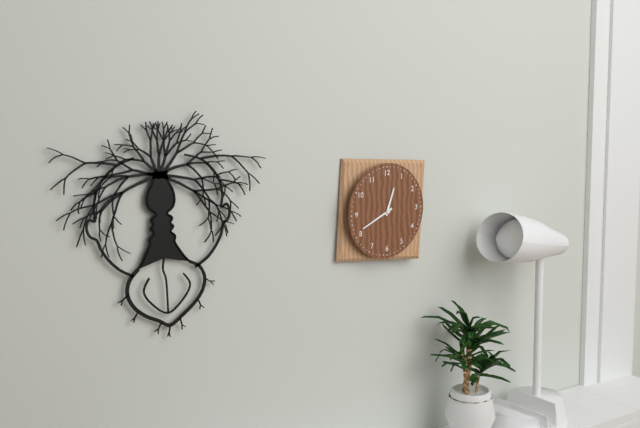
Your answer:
{"hour": 12, "minute": 41}
